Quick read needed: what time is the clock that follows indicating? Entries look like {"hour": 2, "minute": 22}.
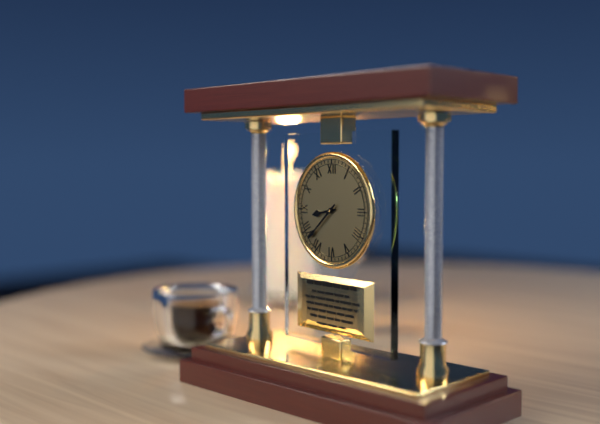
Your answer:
{"hour": 8, "minute": 38}
